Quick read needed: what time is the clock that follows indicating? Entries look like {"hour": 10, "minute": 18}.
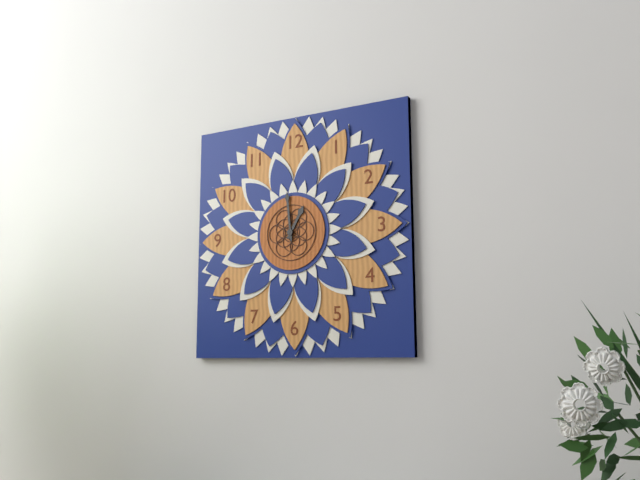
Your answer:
{"hour": 12, "minute": 59}
